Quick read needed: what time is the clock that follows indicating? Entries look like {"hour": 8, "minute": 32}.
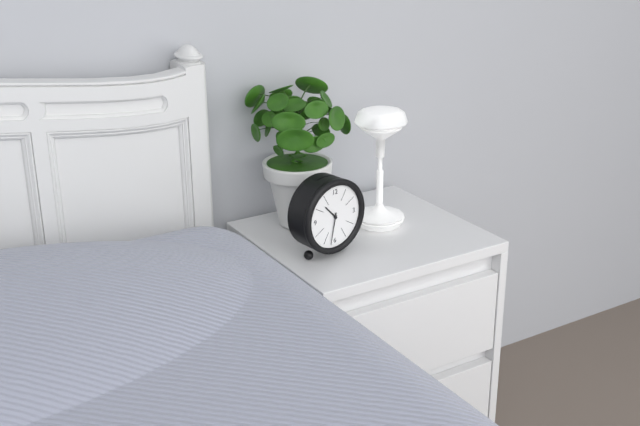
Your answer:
{"hour": 10, "minute": 32}
